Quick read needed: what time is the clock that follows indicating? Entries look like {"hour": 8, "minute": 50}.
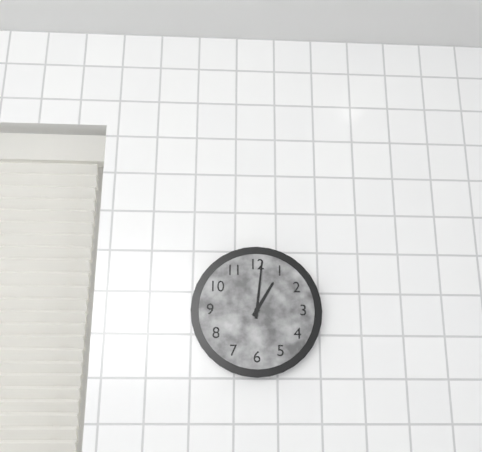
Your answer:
{"hour": 1, "minute": 1}
